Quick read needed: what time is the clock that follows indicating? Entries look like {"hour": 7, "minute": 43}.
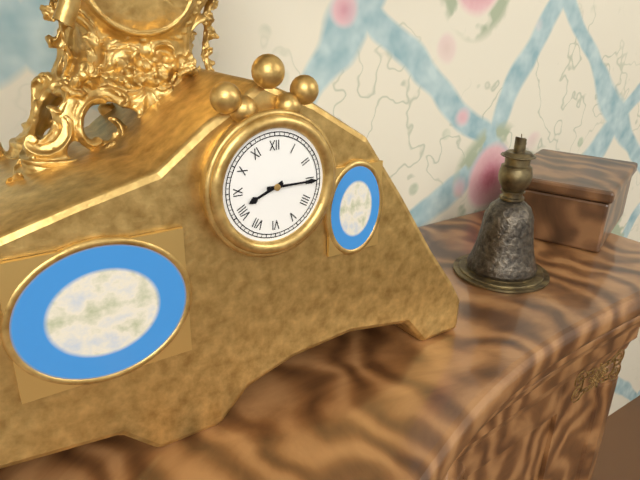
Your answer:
{"hour": 8, "minute": 15}
